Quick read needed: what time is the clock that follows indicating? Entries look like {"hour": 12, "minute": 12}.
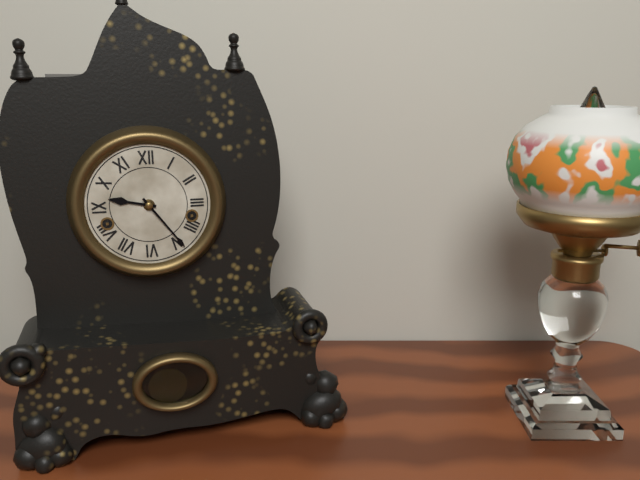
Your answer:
{"hour": 9, "minute": 24}
